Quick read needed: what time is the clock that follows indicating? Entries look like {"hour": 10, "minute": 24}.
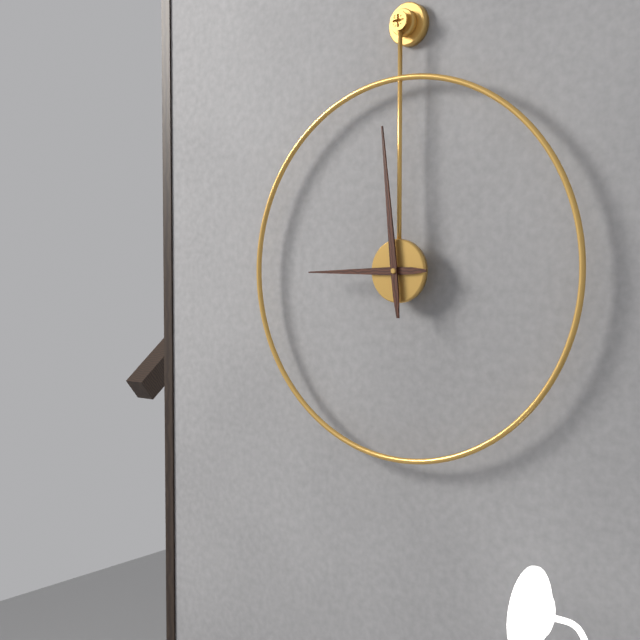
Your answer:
{"hour": 8, "minute": 59}
